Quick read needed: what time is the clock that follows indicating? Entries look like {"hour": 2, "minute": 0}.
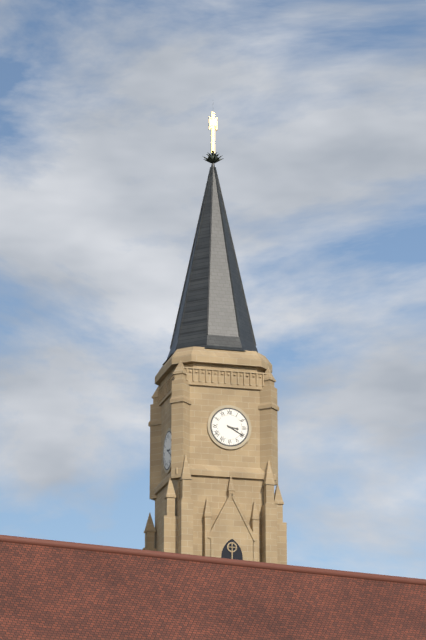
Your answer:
{"hour": 3, "minute": 20}
